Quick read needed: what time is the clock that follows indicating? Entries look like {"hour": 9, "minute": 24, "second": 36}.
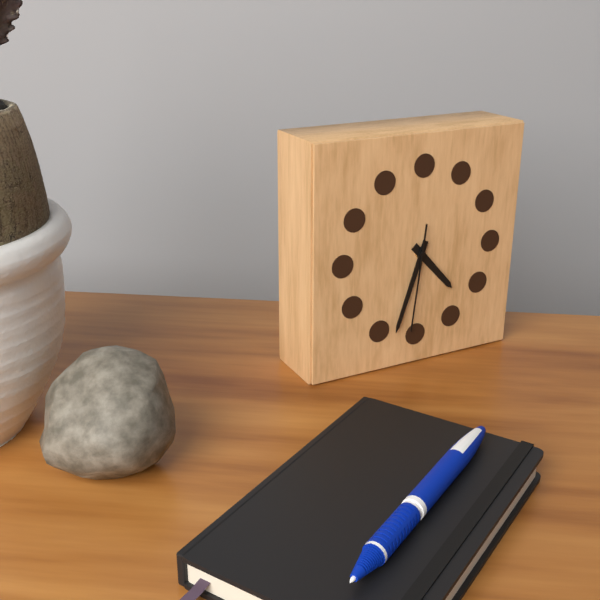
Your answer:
{"hour": 4, "minute": 33, "second": 31}
